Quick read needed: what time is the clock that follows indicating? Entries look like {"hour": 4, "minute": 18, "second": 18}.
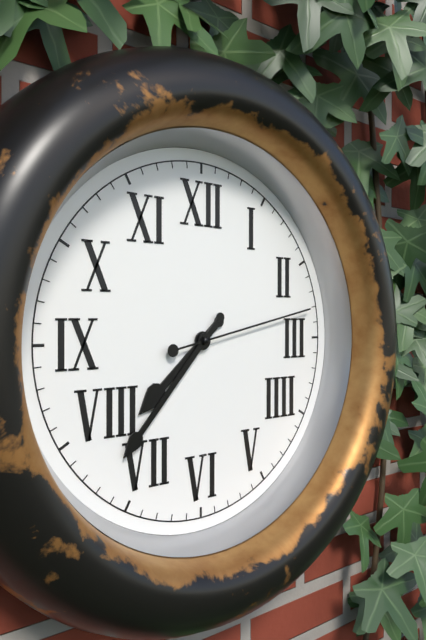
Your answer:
{"hour": 7, "minute": 37, "second": 13}
